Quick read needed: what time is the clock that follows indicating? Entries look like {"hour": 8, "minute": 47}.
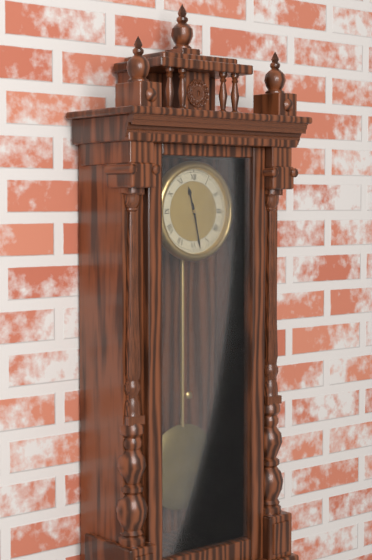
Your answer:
{"hour": 11, "minute": 28}
